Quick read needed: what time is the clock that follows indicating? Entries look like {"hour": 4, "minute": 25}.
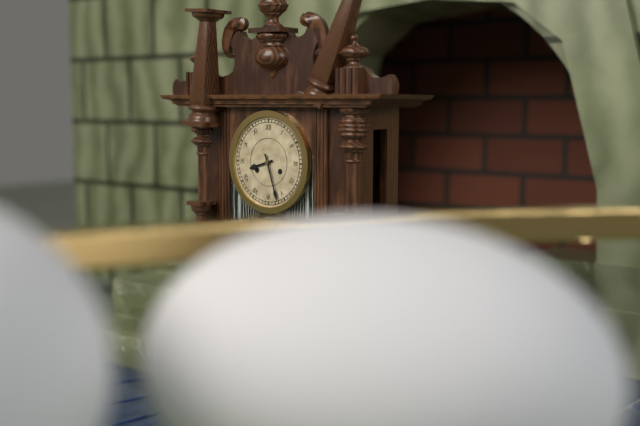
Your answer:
{"hour": 8, "minute": 27}
